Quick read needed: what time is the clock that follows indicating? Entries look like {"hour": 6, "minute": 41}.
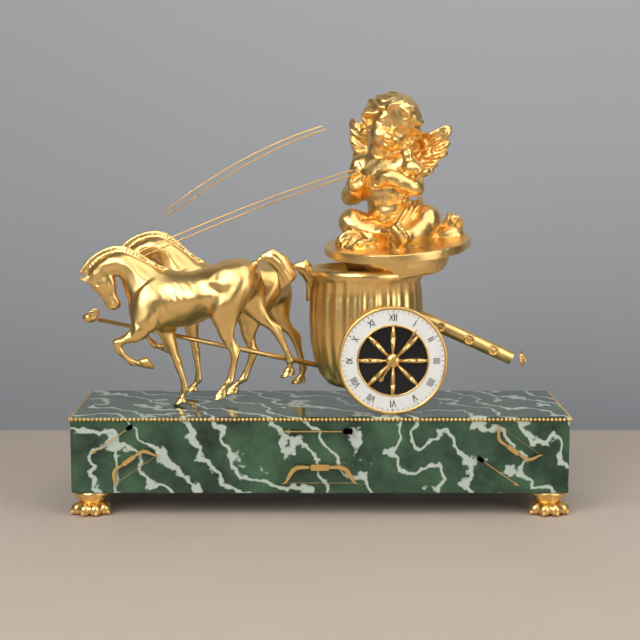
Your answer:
{"hour": 7, "minute": 6}
